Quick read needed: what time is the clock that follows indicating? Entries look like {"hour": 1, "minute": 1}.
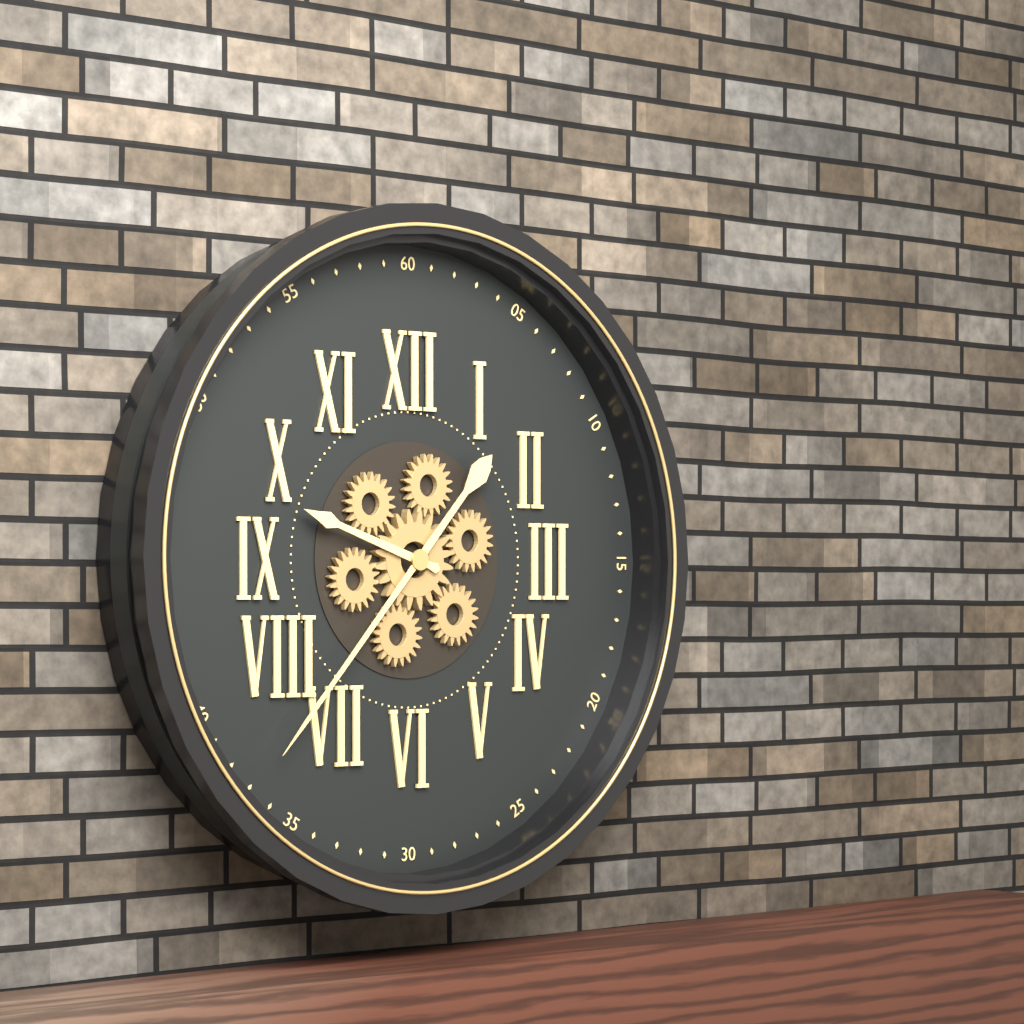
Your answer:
{"hour": 9, "minute": 37}
